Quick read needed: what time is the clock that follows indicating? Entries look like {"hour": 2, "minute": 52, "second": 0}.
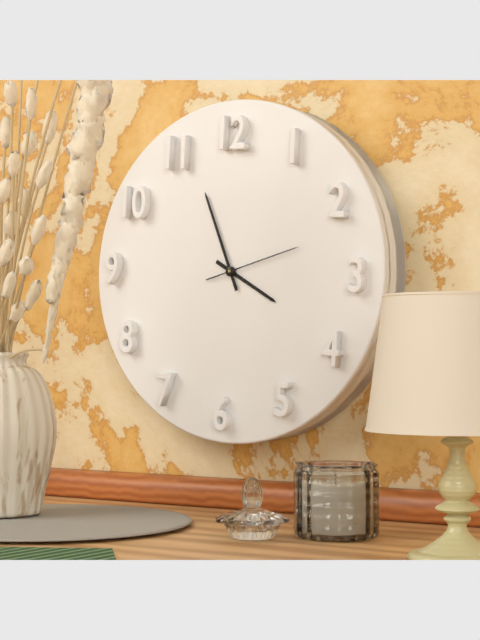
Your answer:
{"hour": 3, "minute": 56, "second": 12}
